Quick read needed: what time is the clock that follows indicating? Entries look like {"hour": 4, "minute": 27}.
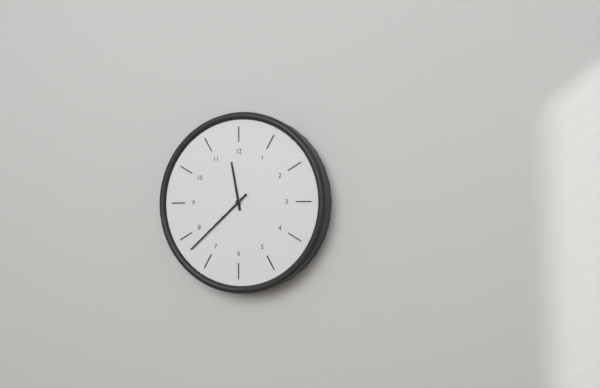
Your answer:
{"hour": 11, "minute": 38}
